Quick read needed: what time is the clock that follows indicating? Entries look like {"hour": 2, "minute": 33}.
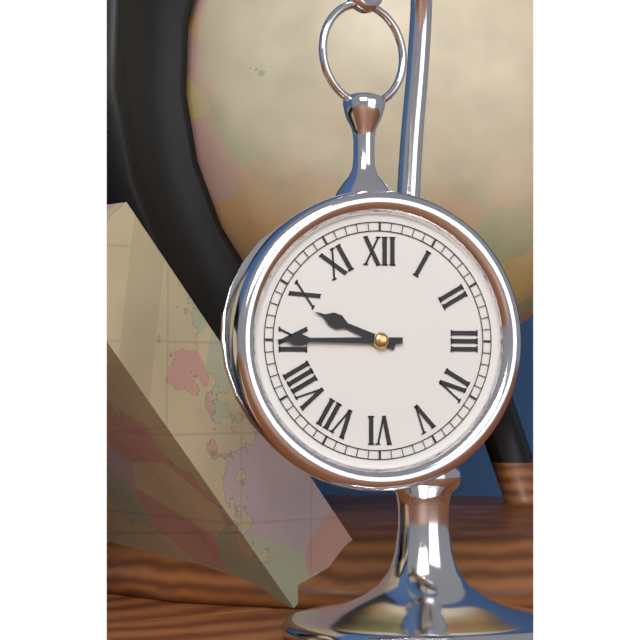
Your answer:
{"hour": 9, "minute": 45}
